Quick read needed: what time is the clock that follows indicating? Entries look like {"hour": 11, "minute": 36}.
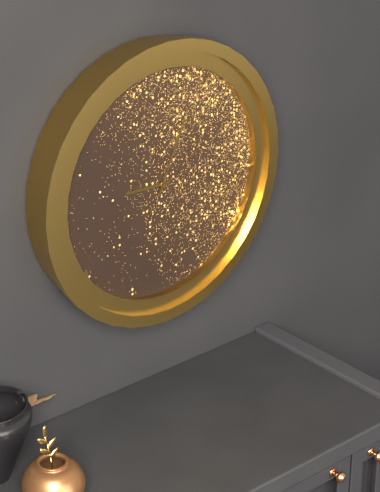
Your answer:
{"hour": 9, "minute": 4}
